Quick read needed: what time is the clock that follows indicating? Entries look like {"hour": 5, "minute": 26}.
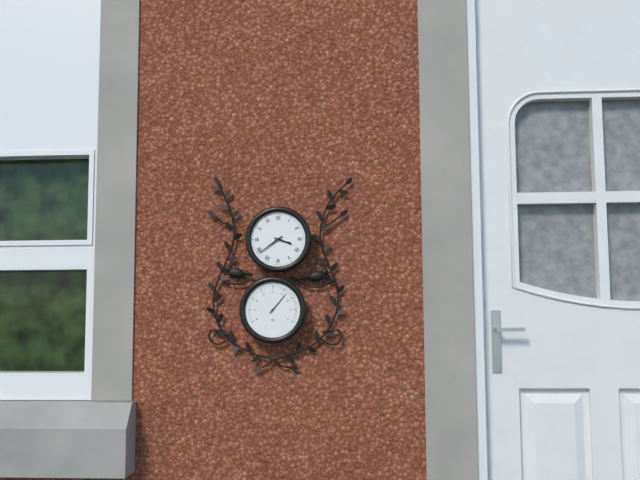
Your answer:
{"hour": 3, "minute": 39}
